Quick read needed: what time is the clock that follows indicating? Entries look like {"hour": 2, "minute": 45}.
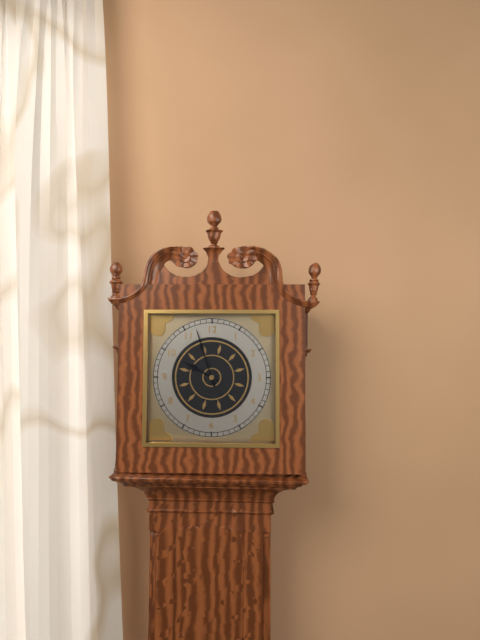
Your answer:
{"hour": 9, "minute": 57}
